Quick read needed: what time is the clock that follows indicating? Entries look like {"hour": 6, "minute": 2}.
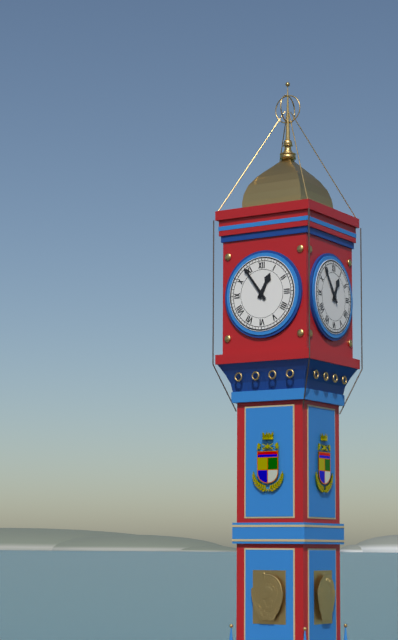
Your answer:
{"hour": 12, "minute": 54}
